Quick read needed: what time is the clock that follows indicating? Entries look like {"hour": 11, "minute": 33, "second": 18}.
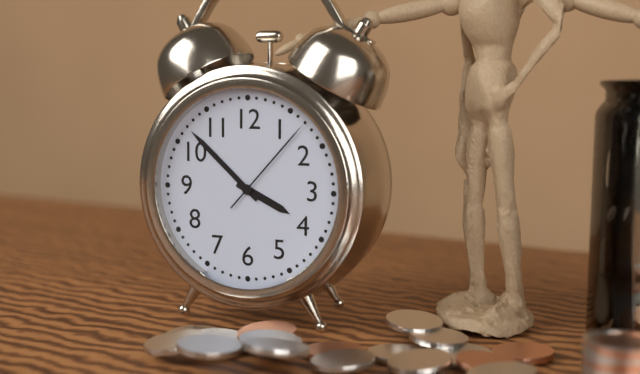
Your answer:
{"hour": 3, "minute": 52, "second": 7}
